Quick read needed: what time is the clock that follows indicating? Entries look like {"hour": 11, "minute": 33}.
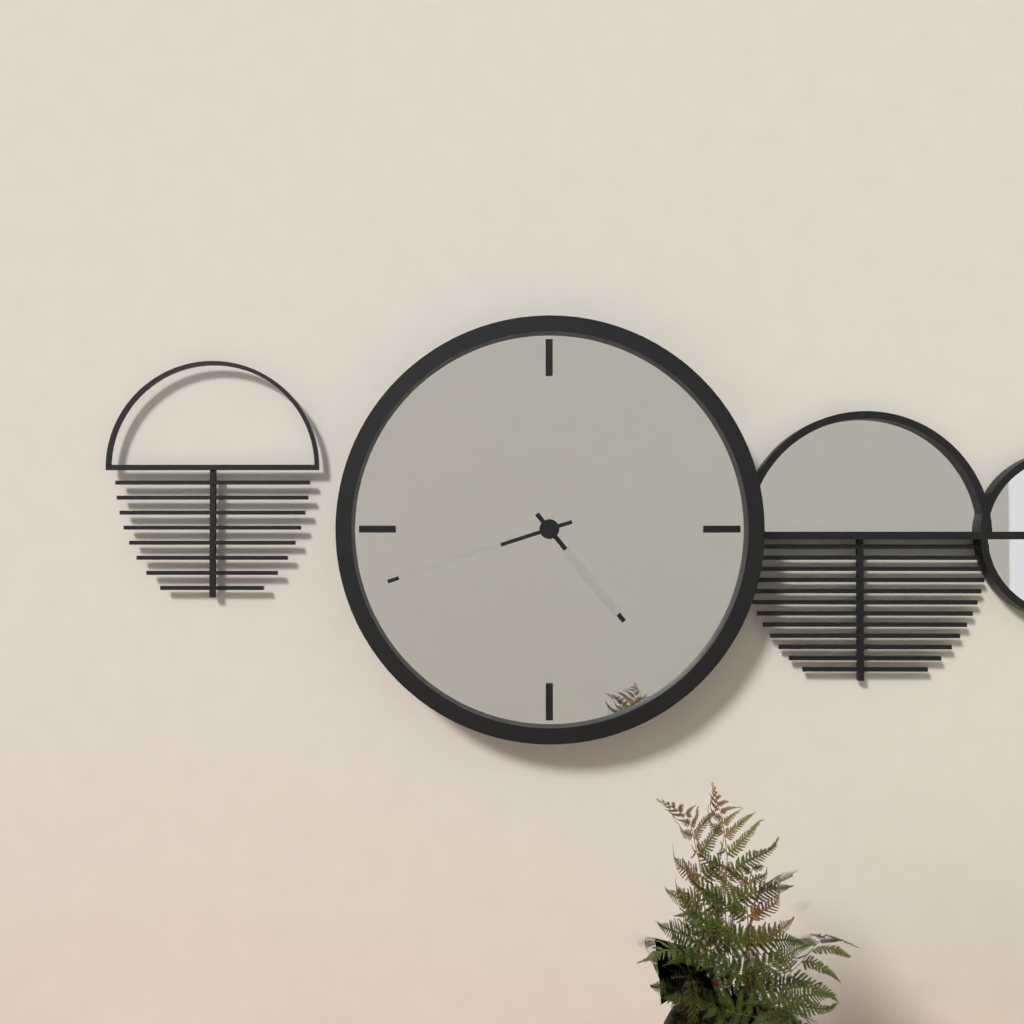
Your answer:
{"hour": 4, "minute": 42}
